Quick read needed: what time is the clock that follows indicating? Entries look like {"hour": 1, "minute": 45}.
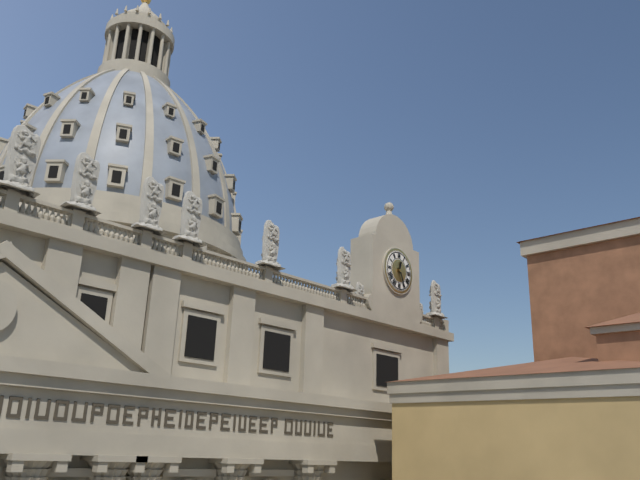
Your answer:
{"hour": 12, "minute": 26}
